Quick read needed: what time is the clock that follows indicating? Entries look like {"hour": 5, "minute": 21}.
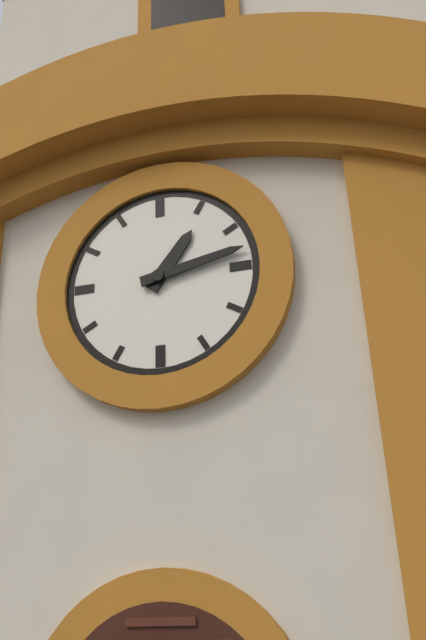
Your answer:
{"hour": 1, "minute": 13}
